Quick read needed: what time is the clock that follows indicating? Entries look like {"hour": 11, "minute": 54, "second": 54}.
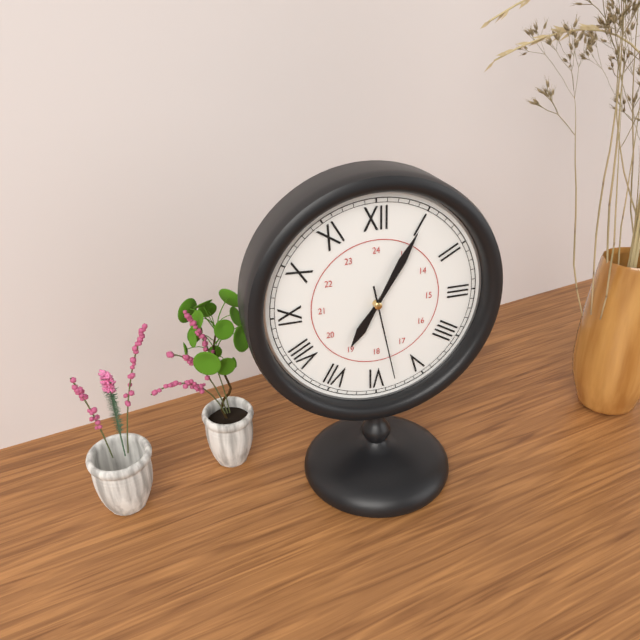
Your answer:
{"hour": 7, "minute": 5, "second": 28}
